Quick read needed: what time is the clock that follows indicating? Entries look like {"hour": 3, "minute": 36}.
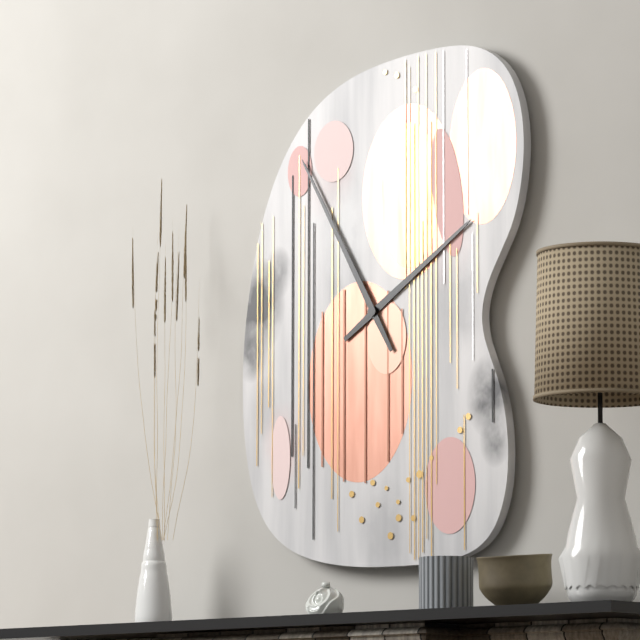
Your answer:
{"hour": 1, "minute": 55}
